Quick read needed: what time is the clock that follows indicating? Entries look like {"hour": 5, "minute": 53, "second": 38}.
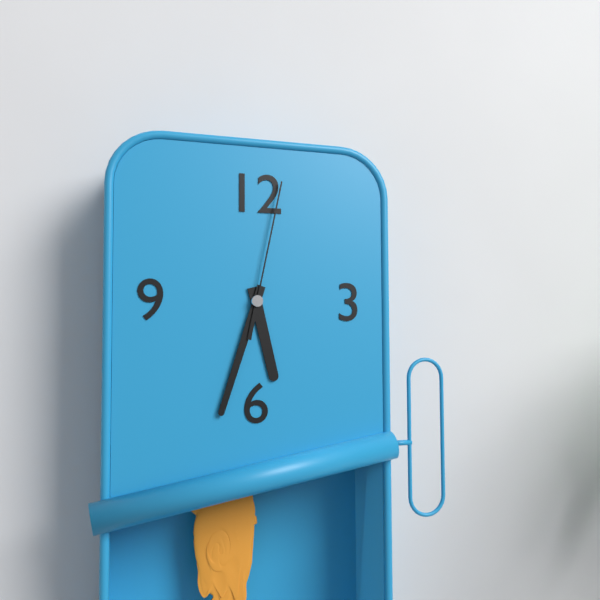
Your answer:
{"hour": 5, "minute": 33, "second": 2}
